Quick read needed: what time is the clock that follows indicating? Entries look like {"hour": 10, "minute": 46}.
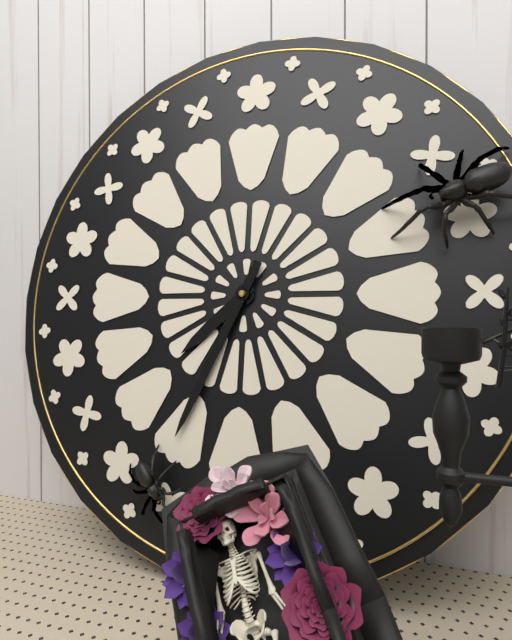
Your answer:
{"hour": 7, "minute": 34}
